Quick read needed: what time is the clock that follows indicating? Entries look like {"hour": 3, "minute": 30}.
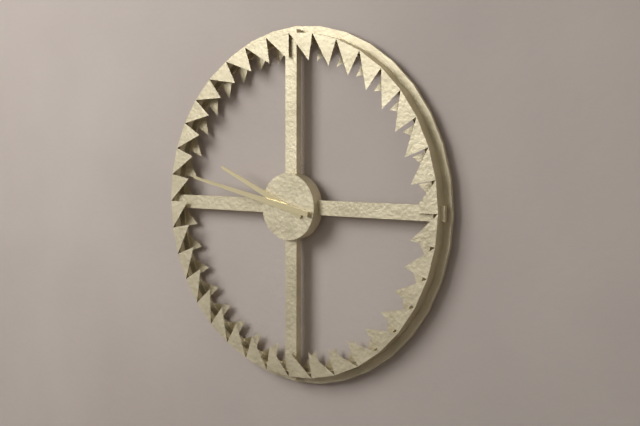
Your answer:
{"hour": 9, "minute": 47}
